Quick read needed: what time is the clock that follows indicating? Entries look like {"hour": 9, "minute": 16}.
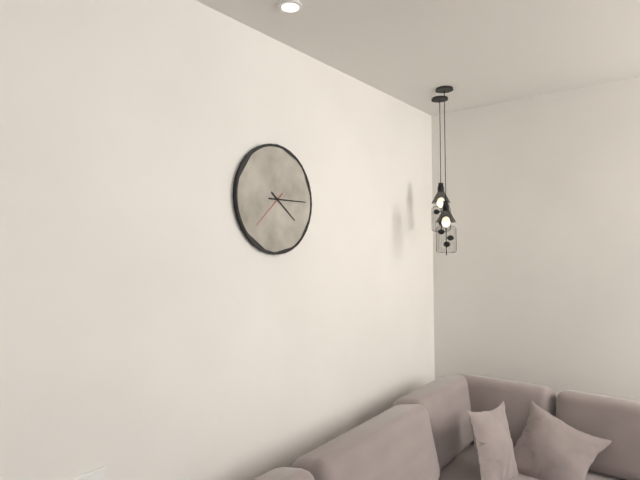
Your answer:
{"hour": 4, "minute": 15}
